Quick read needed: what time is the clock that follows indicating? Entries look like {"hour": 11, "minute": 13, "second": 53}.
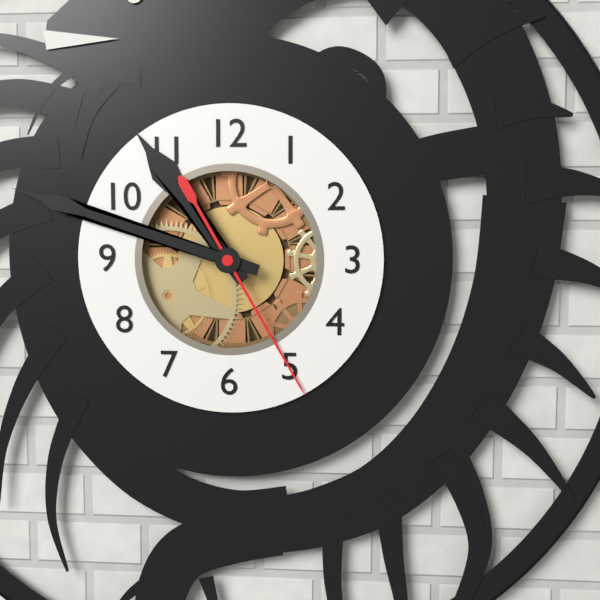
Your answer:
{"hour": 10, "minute": 48, "second": 25}
